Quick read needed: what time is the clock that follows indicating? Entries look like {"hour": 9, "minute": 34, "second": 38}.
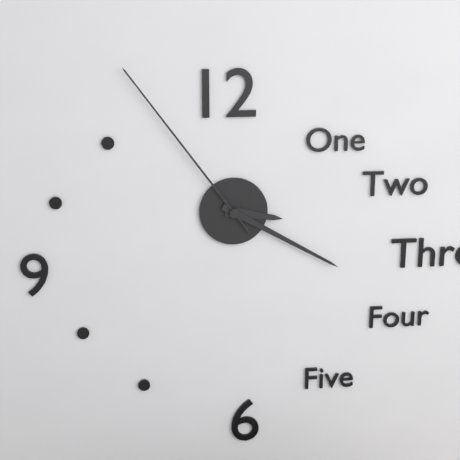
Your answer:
{"hour": 3, "minute": 20, "second": 54}
